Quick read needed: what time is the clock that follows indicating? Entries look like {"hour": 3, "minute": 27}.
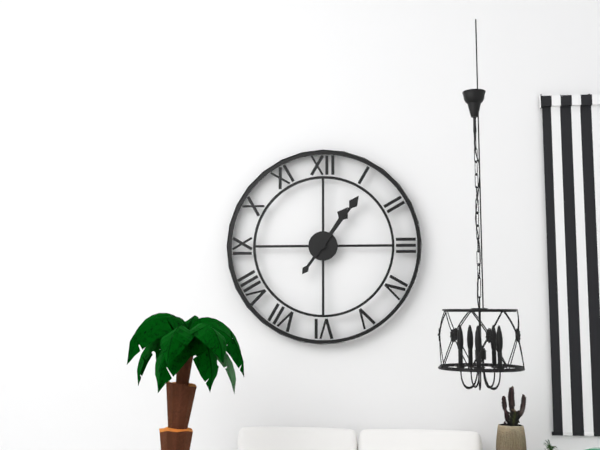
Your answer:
{"hour": 1, "minute": 6}
